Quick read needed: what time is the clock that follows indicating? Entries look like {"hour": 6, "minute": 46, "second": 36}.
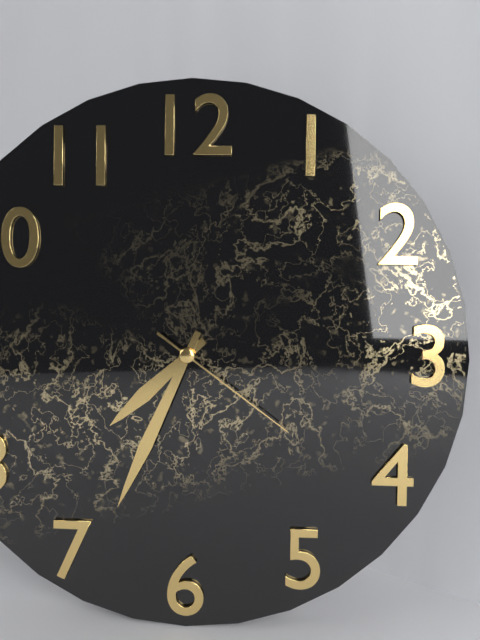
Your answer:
{"hour": 7, "minute": 34, "second": 21}
